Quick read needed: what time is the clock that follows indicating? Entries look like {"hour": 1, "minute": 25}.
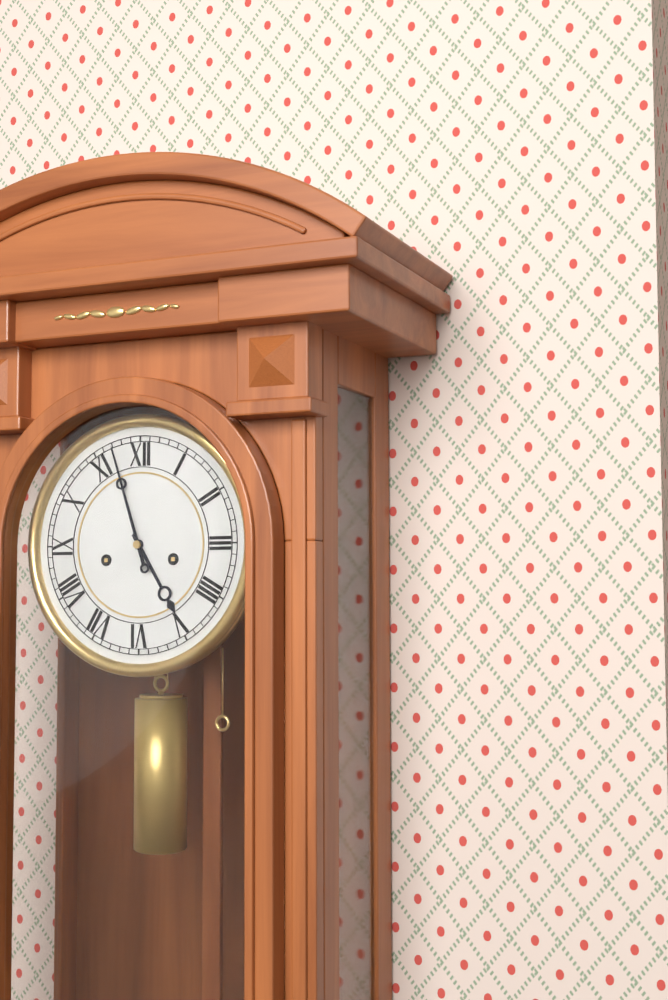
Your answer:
{"hour": 4, "minute": 57}
